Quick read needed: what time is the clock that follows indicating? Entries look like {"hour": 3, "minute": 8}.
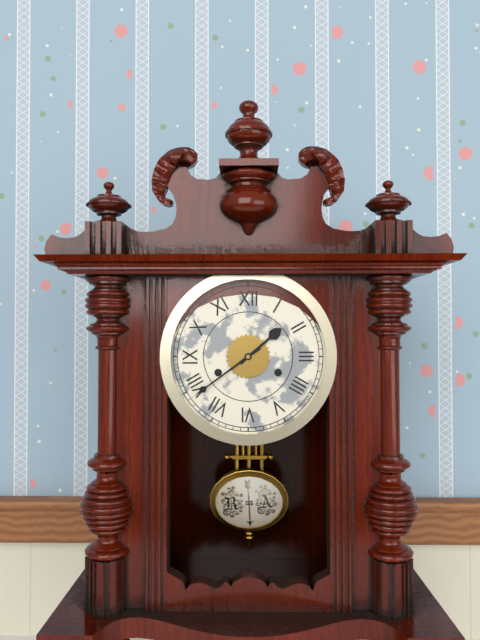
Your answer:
{"hour": 1, "minute": 39}
